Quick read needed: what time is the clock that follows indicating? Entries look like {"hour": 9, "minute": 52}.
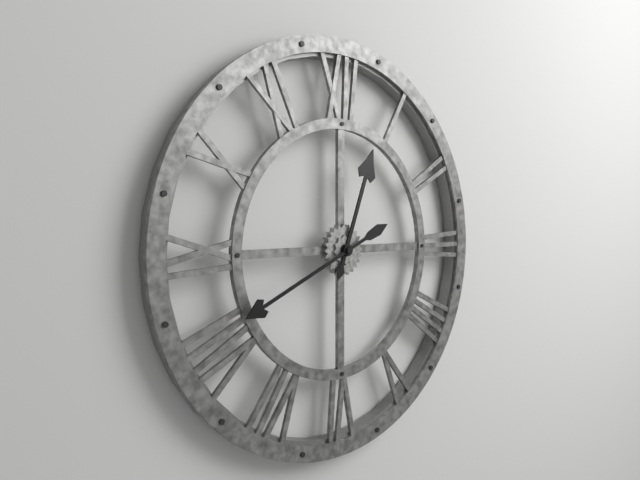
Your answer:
{"hour": 12, "minute": 41}
